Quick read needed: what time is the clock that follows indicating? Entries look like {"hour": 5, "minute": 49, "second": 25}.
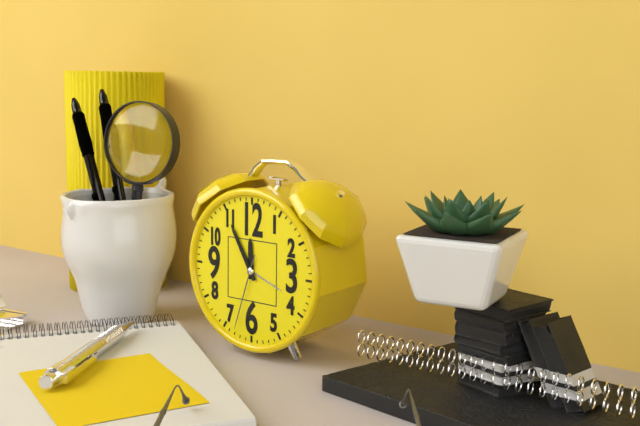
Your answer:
{"hour": 11, "minute": 55, "second": 33}
